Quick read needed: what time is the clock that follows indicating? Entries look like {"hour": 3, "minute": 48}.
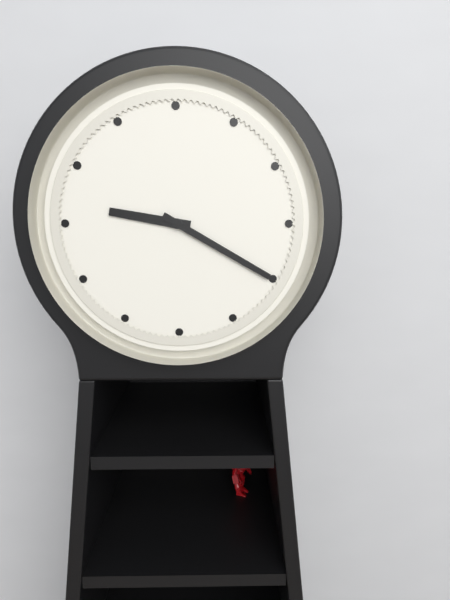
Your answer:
{"hour": 9, "minute": 20}
